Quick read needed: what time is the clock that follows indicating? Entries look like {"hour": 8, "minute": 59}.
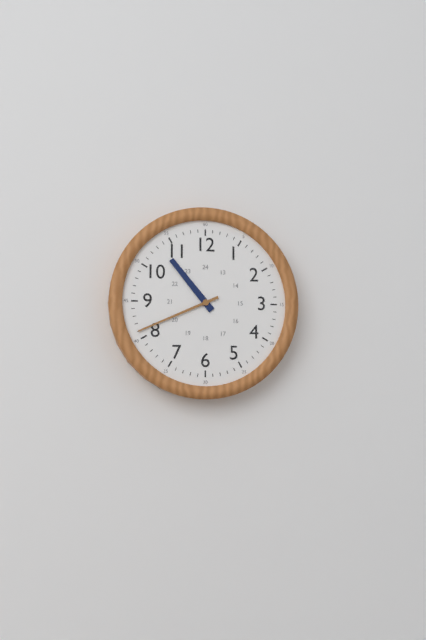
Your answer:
{"hour": 10, "minute": 41}
